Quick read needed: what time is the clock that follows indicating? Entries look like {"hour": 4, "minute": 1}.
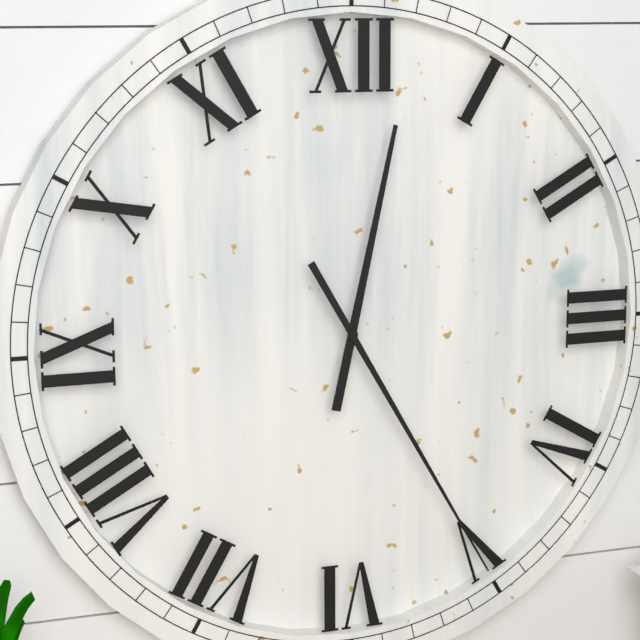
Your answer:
{"hour": 12, "minute": 25}
